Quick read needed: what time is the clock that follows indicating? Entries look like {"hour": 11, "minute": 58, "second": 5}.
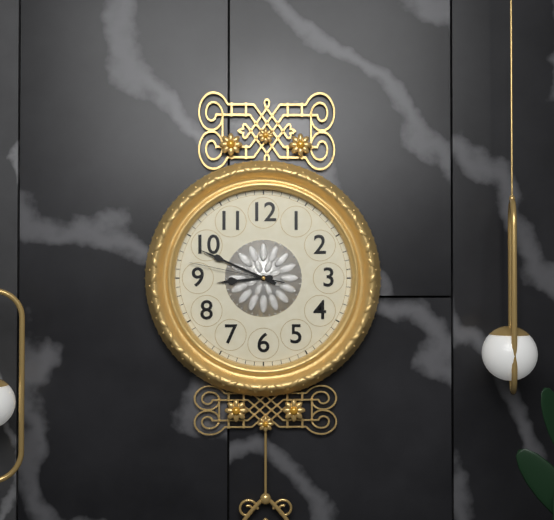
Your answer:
{"hour": 8, "minute": 49, "second": 47}
